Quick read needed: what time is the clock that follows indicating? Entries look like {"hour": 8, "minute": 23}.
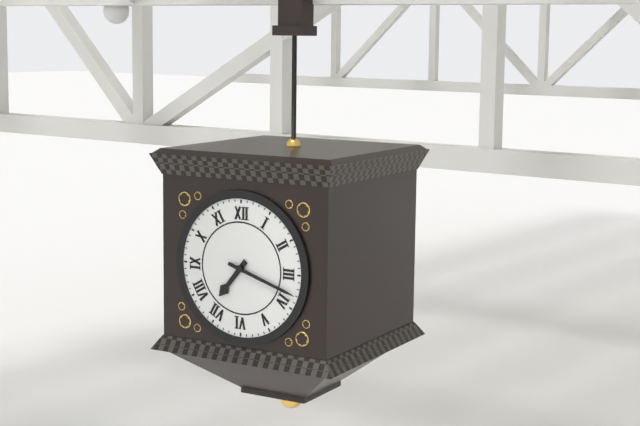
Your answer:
{"hour": 7, "minute": 18}
